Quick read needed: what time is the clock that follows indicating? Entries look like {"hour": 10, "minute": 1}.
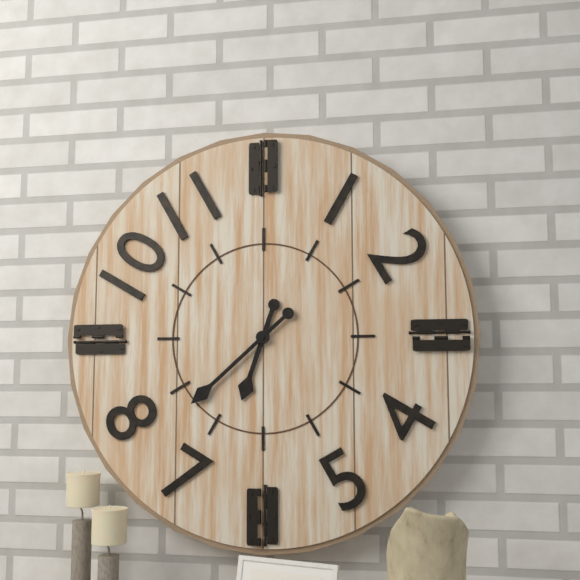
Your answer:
{"hour": 6, "minute": 38}
